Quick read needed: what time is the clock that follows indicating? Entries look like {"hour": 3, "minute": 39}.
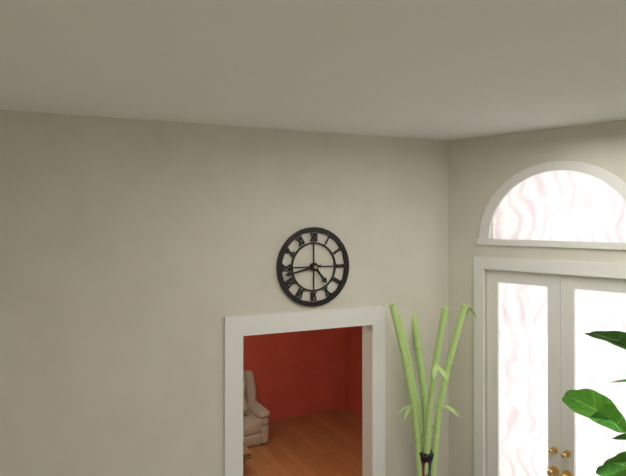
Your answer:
{"hour": 4, "minute": 43}
